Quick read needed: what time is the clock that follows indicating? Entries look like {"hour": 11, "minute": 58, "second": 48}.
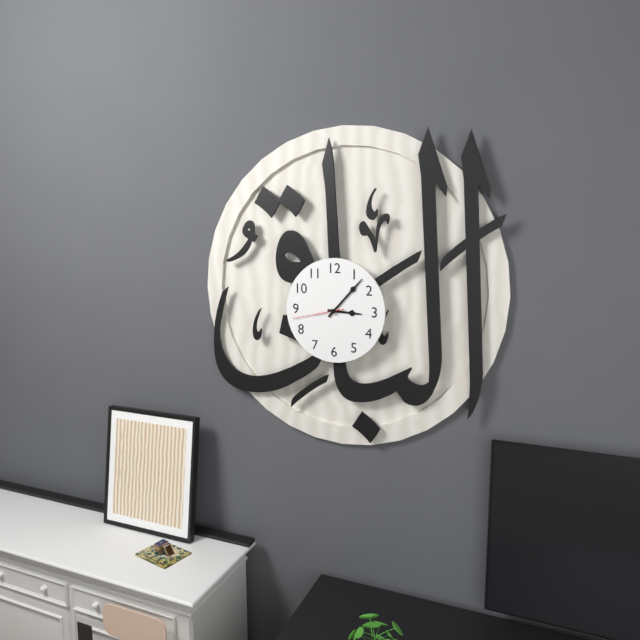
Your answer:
{"hour": 3, "minute": 7, "second": 43}
